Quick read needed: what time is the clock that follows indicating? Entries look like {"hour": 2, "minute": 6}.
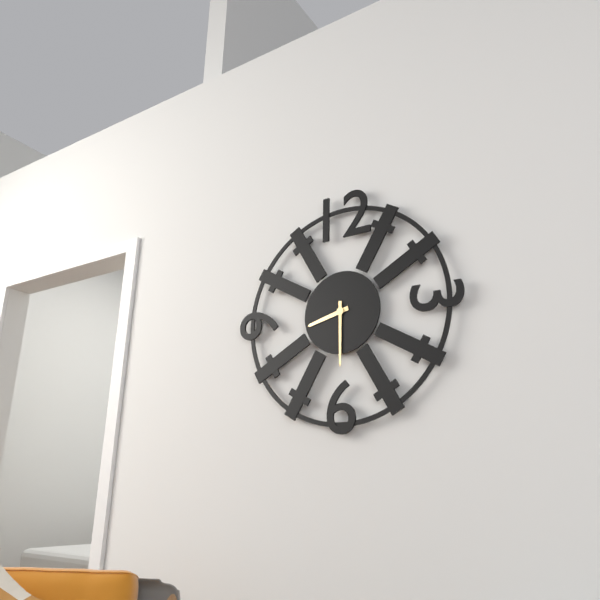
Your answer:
{"hour": 8, "minute": 30}
